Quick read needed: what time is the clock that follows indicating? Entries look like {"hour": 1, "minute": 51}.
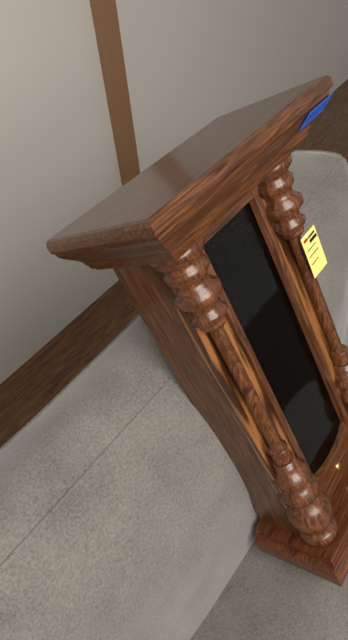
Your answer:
{"hour": 7, "minute": 19}
